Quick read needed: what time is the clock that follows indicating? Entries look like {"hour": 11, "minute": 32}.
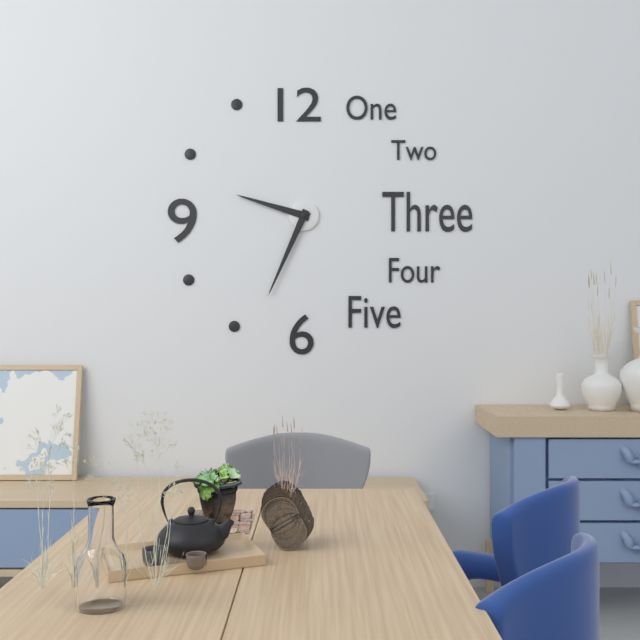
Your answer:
{"hour": 9, "minute": 34}
